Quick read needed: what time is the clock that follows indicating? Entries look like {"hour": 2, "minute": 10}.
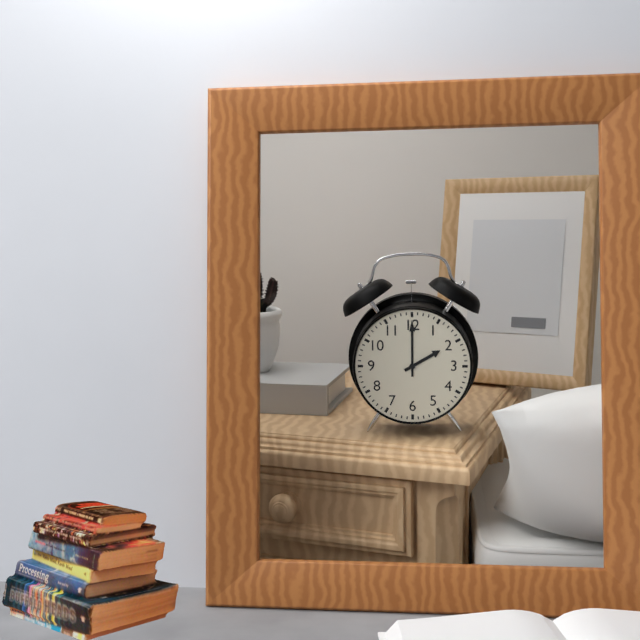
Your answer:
{"hour": 2, "minute": 0}
